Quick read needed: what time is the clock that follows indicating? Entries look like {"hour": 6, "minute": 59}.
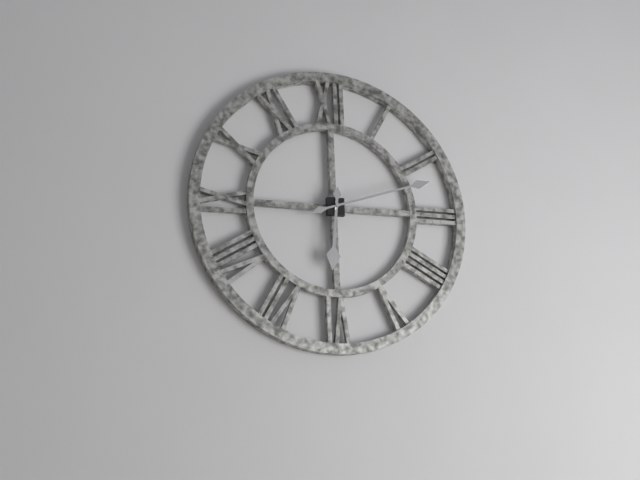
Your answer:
{"hour": 6, "minute": 12}
